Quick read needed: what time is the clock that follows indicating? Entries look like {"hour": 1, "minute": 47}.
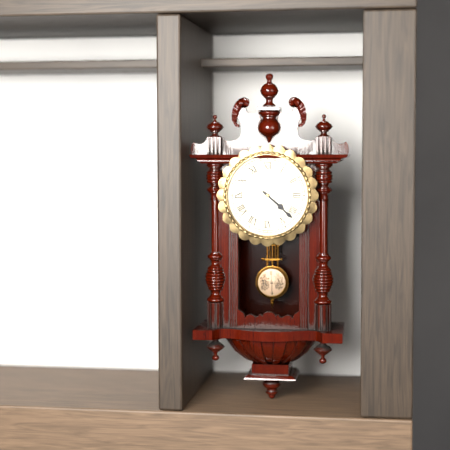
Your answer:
{"hour": 4, "minute": 22}
